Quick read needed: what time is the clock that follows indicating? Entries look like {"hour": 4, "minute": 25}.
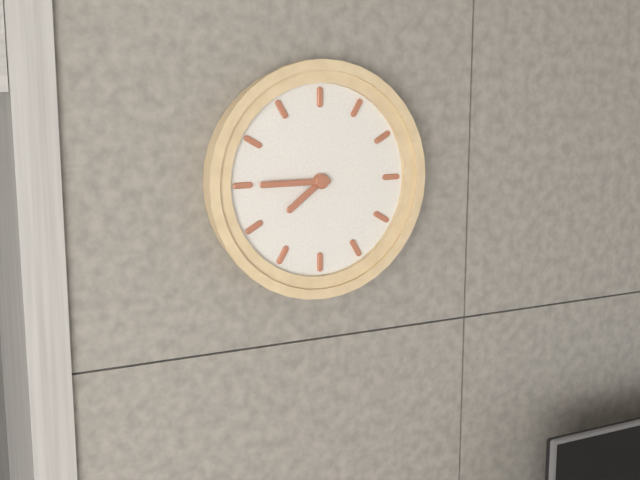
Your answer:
{"hour": 7, "minute": 45}
